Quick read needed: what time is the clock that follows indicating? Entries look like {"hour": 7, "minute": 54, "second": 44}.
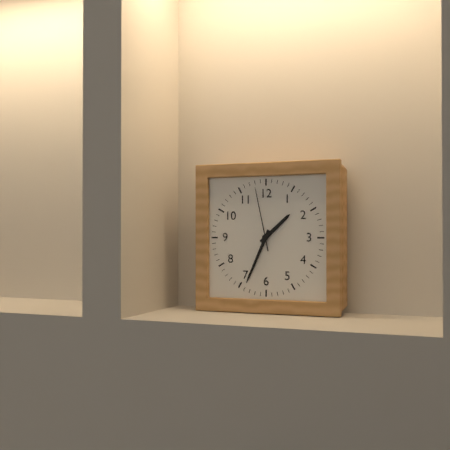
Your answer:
{"hour": 1, "minute": 34, "second": 58}
